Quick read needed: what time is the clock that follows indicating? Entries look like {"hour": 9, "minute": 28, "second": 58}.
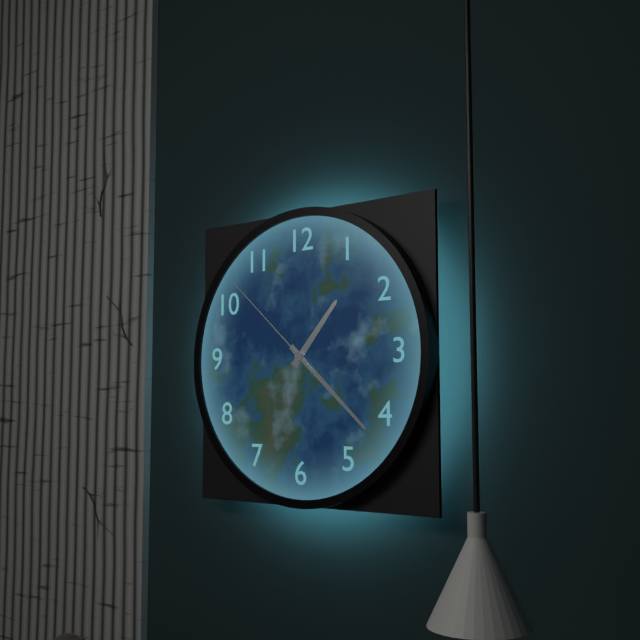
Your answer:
{"hour": 1, "minute": 22, "second": 52}
